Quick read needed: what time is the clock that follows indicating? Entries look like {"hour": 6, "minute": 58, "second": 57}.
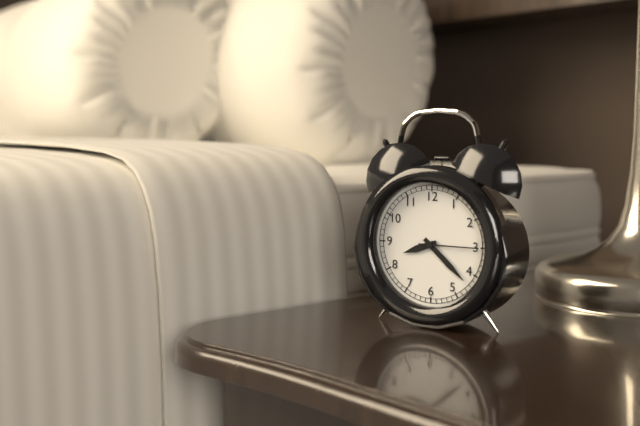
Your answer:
{"hour": 8, "minute": 22, "second": 15}
